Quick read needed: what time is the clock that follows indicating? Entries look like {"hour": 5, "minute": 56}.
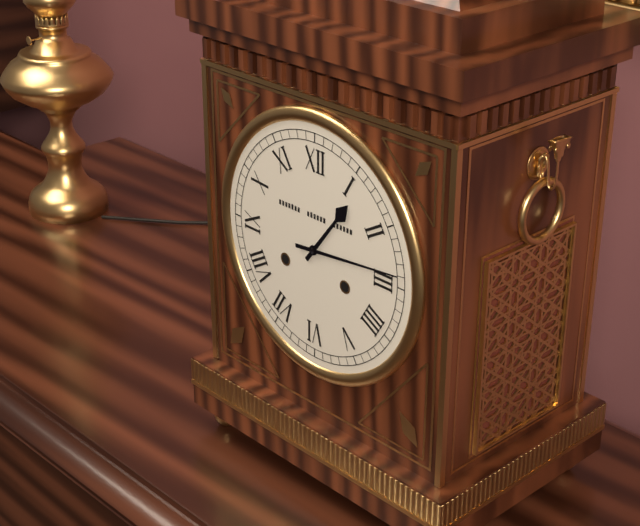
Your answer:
{"hour": 1, "minute": 14}
